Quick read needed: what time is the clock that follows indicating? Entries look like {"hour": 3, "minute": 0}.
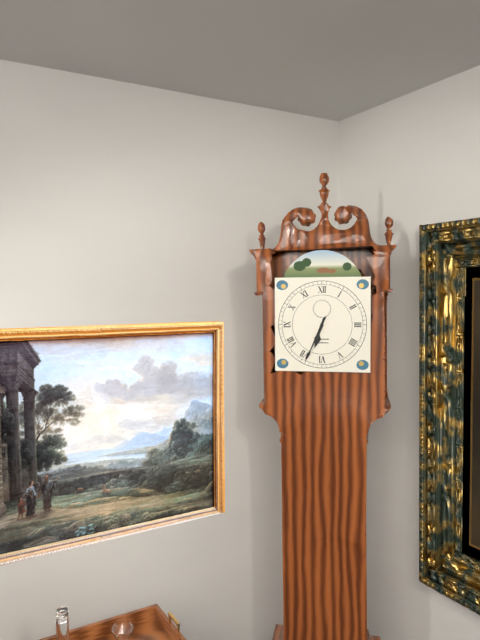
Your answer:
{"hour": 6, "minute": 34}
